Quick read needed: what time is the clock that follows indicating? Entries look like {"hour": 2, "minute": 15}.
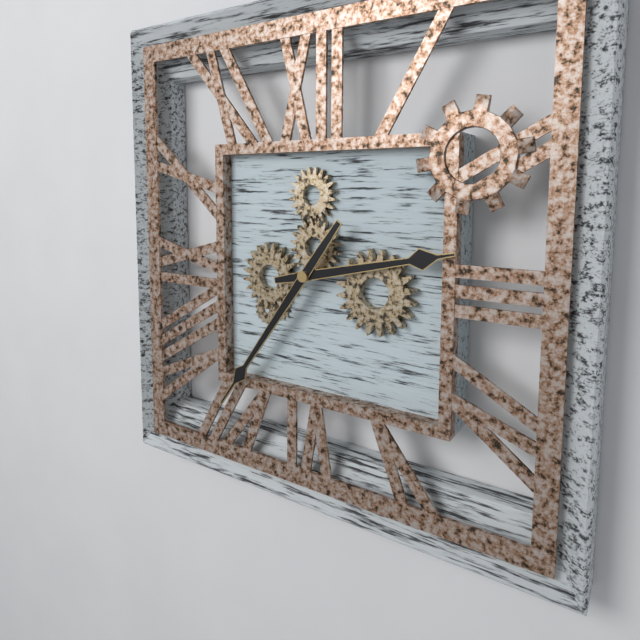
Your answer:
{"hour": 2, "minute": 36}
